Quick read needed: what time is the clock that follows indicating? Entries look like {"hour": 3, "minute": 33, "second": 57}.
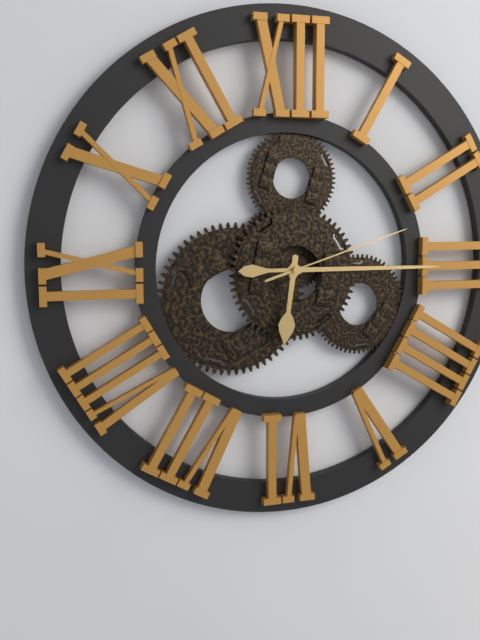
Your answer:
{"hour": 6, "minute": 15, "second": 12}
